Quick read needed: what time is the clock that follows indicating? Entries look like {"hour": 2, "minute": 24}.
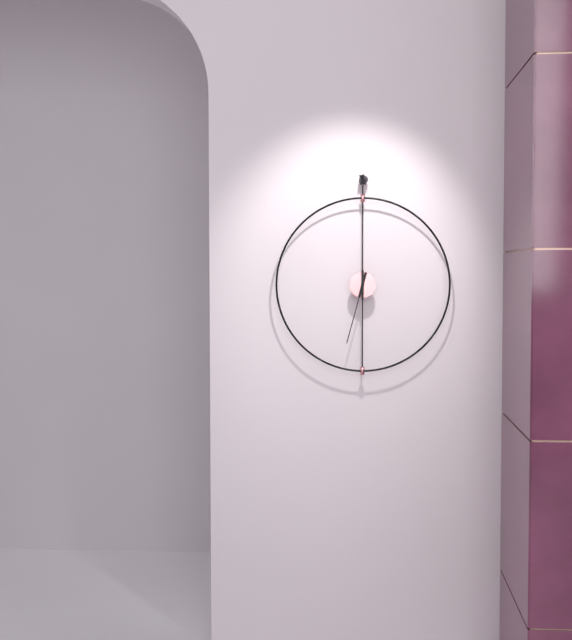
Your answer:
{"hour": 6, "minute": 30}
